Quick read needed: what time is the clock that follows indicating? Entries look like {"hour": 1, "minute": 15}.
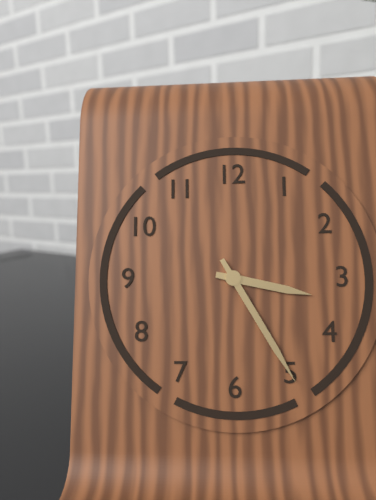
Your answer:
{"hour": 3, "minute": 25}
